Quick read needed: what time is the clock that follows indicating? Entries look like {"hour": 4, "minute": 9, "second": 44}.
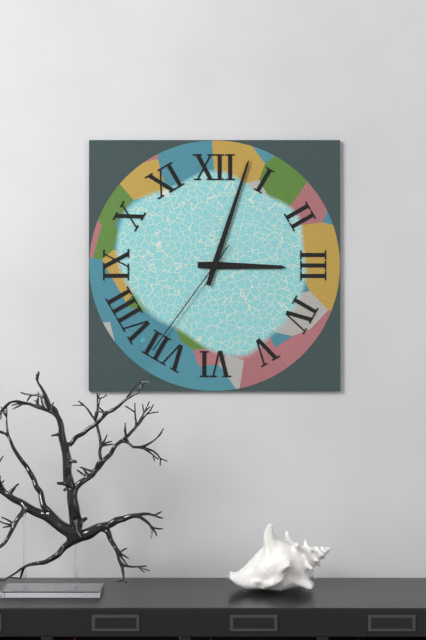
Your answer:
{"hour": 3, "minute": 3, "second": 36}
